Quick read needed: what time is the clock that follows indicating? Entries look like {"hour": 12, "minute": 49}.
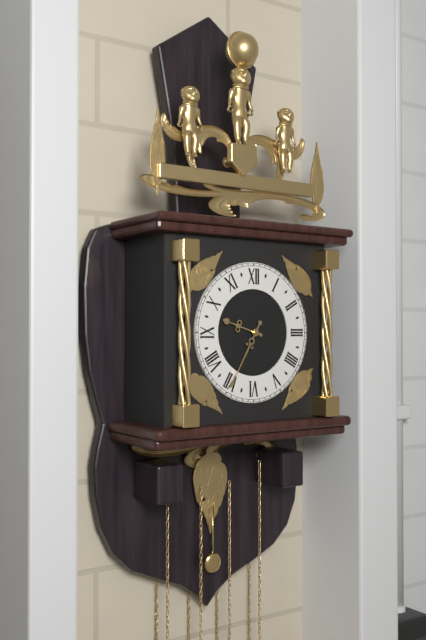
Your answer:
{"hour": 9, "minute": 35}
